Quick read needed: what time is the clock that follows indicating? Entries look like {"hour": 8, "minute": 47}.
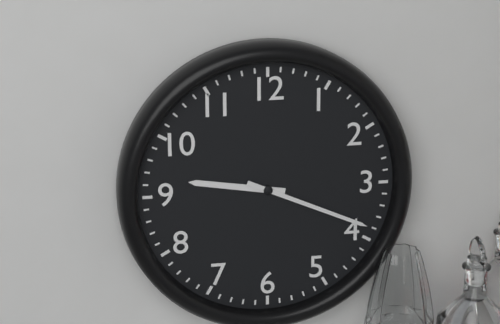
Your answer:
{"hour": 9, "minute": 19}
